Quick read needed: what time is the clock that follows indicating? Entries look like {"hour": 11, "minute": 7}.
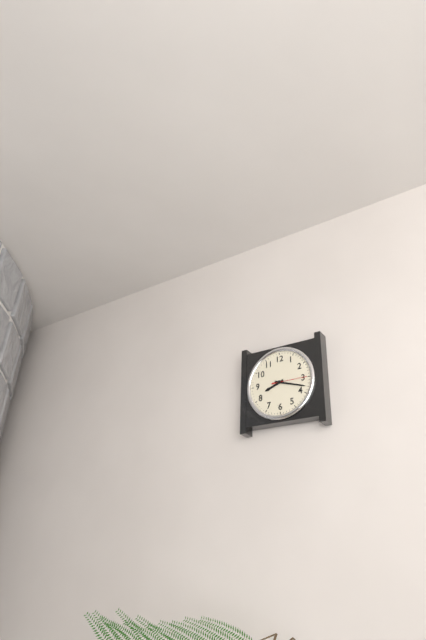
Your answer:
{"hour": 8, "minute": 18}
